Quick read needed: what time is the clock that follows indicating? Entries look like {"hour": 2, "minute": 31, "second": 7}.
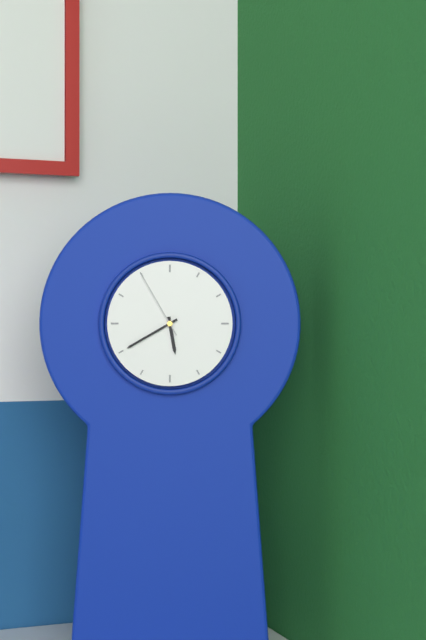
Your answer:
{"hour": 5, "minute": 40, "second": 55}
